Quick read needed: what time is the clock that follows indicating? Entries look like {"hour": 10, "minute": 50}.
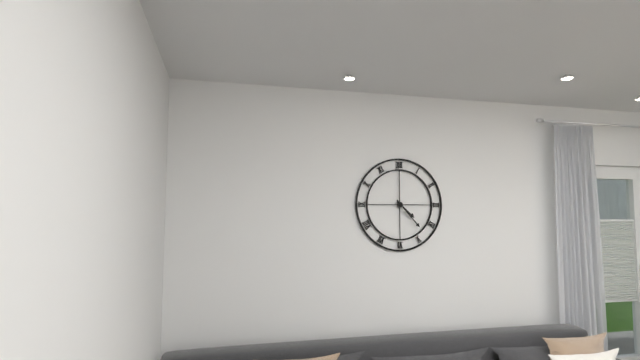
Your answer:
{"hour": 4, "minute": 23}
